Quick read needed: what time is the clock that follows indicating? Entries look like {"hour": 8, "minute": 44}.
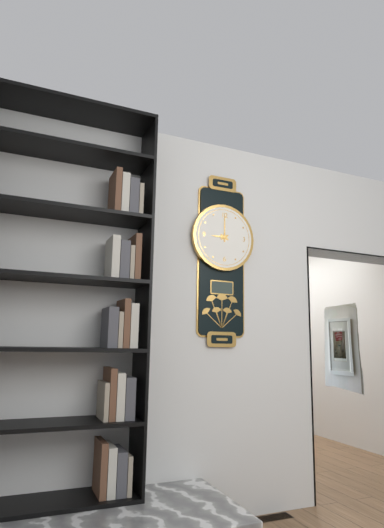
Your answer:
{"hour": 9, "minute": 0}
